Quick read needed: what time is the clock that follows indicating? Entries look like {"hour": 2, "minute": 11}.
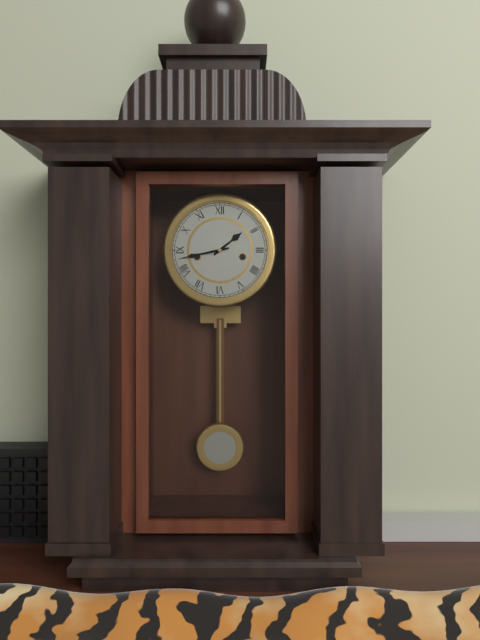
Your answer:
{"hour": 1, "minute": 43}
